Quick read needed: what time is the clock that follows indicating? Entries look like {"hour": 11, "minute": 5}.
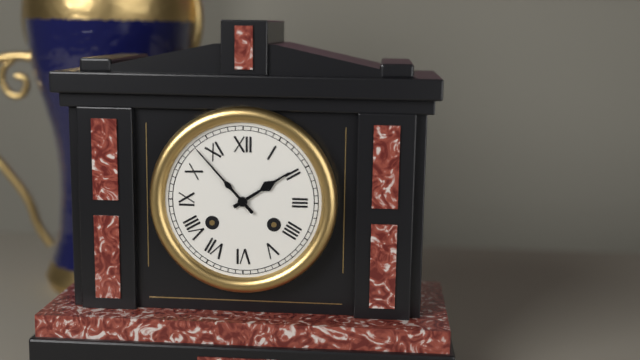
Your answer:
{"hour": 1, "minute": 53}
